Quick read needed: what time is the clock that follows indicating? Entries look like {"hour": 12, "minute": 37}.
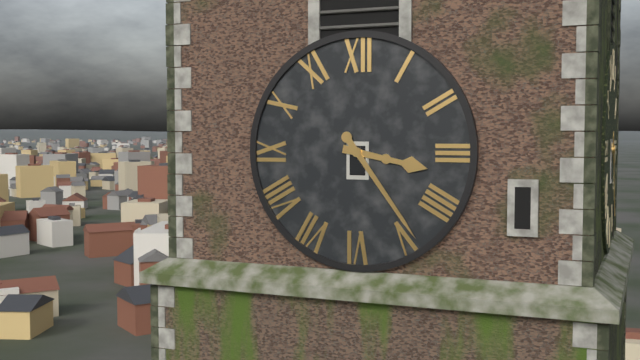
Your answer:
{"hour": 3, "minute": 24}
